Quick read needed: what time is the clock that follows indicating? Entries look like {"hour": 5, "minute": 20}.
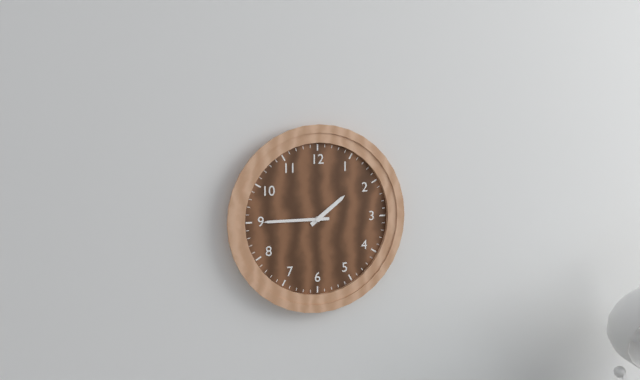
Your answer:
{"hour": 1, "minute": 45}
